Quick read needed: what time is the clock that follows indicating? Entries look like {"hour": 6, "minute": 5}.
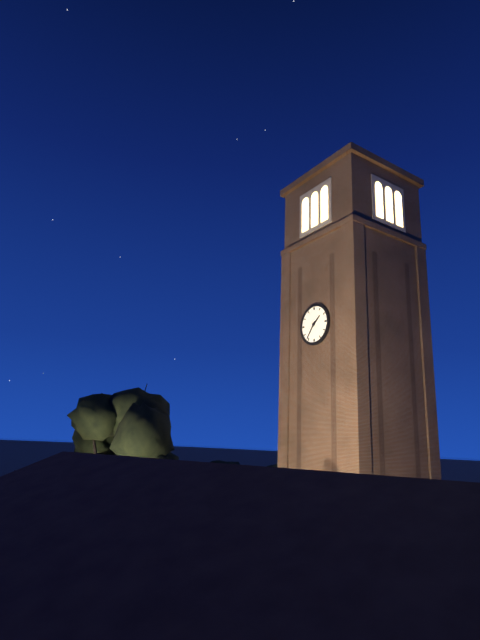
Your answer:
{"hour": 1, "minute": 36}
